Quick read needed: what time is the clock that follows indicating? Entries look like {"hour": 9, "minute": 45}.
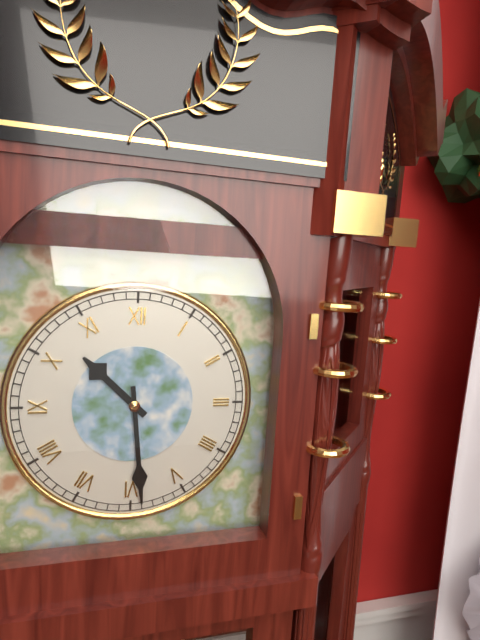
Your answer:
{"hour": 10, "minute": 29}
